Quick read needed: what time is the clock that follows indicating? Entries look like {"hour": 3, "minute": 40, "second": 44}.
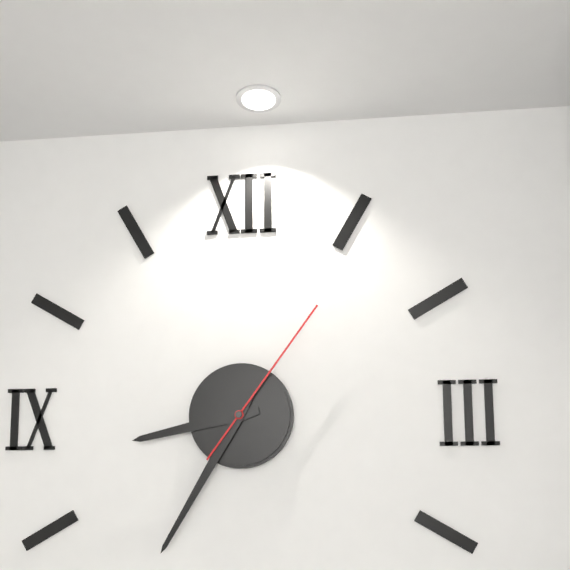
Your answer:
{"hour": 8, "minute": 35, "second": 6}
